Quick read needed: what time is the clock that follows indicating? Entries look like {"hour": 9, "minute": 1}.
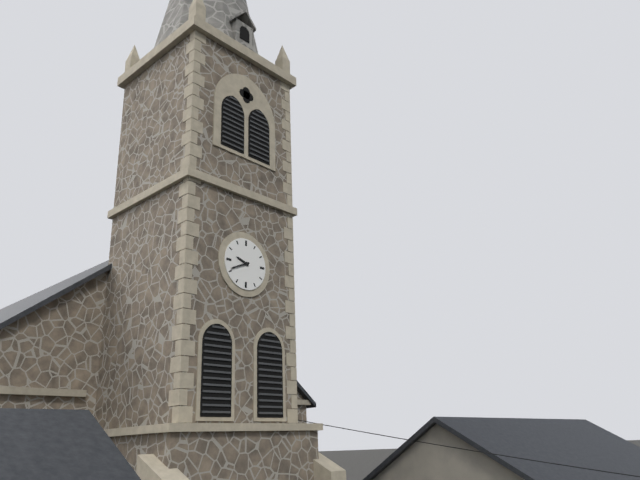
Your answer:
{"hour": 9, "minute": 41}
